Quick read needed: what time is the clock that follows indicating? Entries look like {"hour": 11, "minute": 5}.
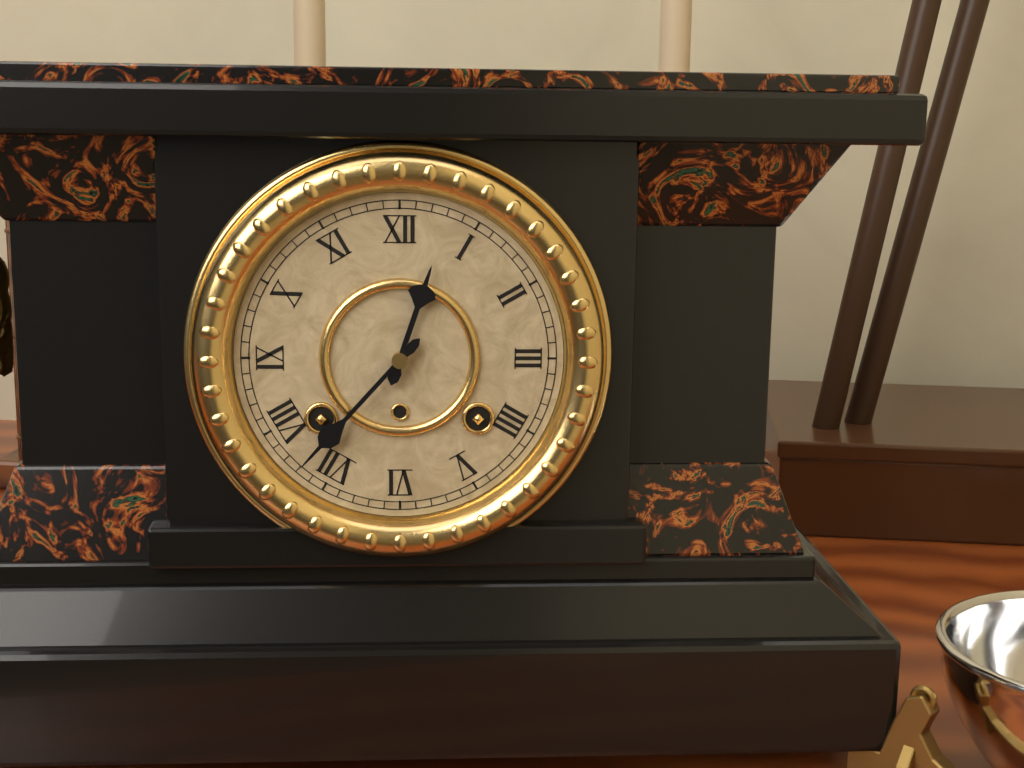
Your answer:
{"hour": 12, "minute": 37}
